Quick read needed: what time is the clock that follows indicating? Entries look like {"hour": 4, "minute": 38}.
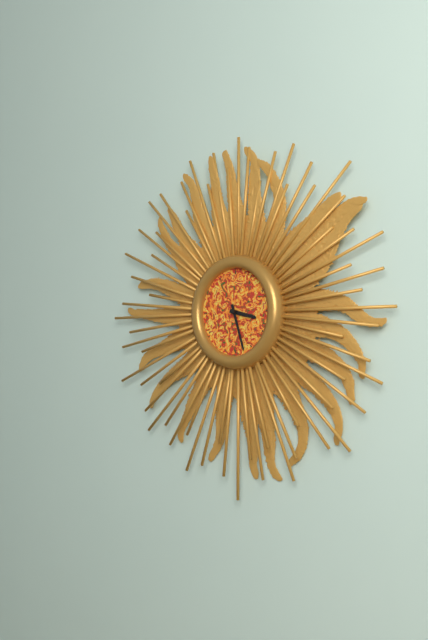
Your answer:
{"hour": 3, "minute": 27}
